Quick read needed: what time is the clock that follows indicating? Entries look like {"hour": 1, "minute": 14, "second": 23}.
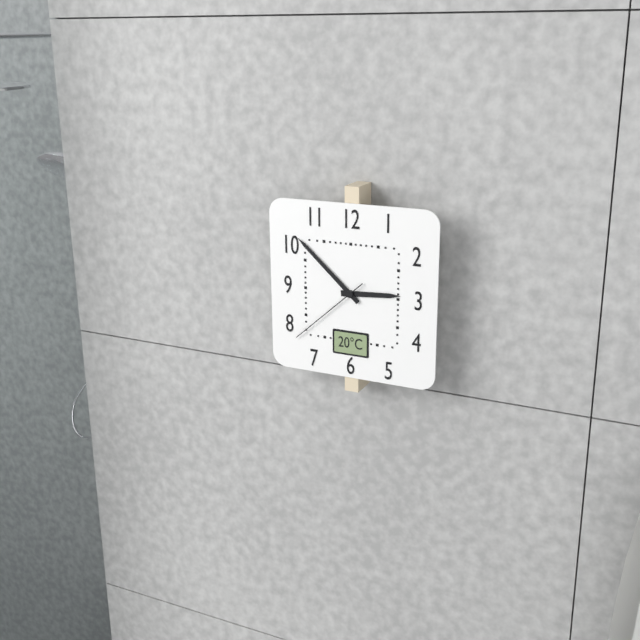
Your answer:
{"hour": 2, "minute": 52, "second": 38}
